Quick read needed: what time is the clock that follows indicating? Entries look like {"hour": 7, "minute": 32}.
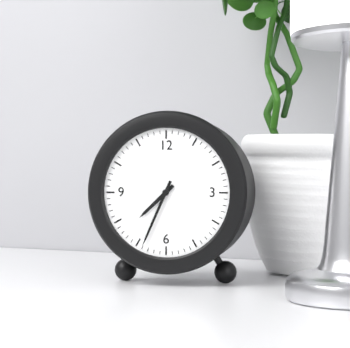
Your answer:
{"hour": 7, "minute": 34}
